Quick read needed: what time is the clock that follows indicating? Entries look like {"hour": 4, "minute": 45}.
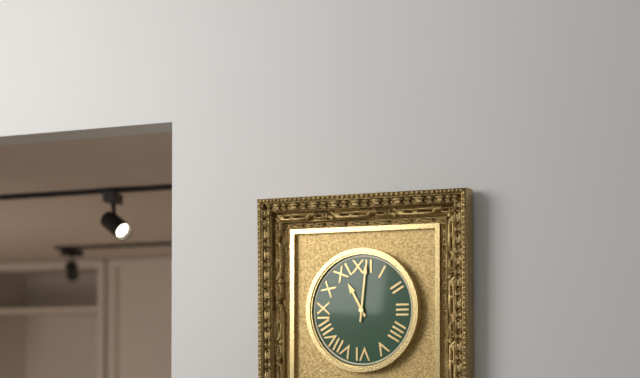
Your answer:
{"hour": 11, "minute": 1}
